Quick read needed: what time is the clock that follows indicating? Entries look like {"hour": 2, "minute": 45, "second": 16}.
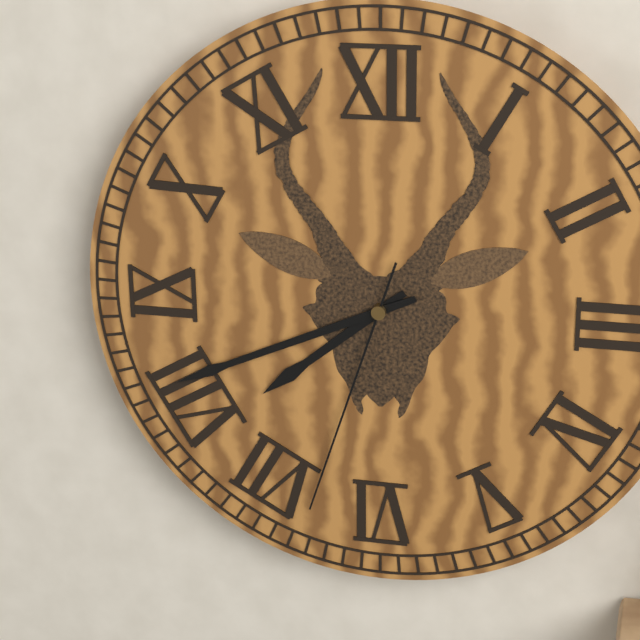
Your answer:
{"hour": 7, "minute": 41, "second": 33}
